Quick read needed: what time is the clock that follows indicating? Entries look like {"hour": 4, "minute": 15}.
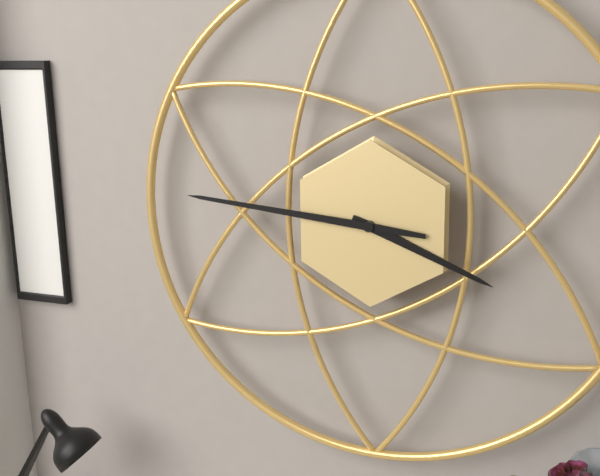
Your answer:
{"hour": 3, "minute": 46}
